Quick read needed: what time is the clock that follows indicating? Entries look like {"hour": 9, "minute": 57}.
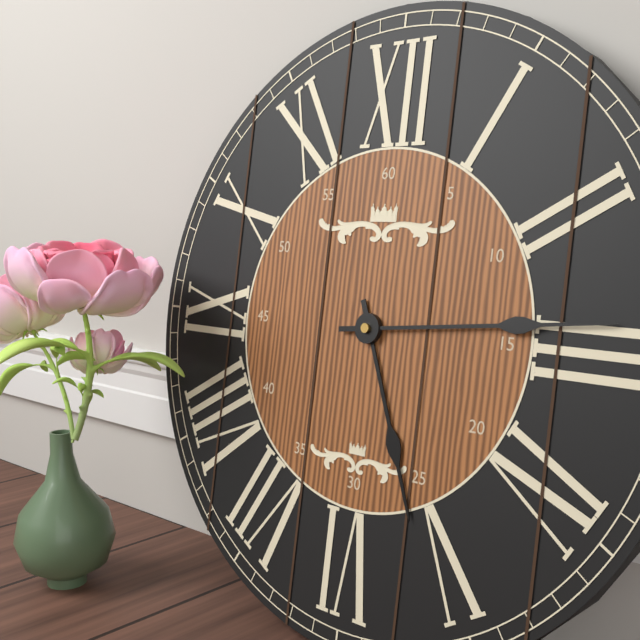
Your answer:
{"hour": 5, "minute": 14}
